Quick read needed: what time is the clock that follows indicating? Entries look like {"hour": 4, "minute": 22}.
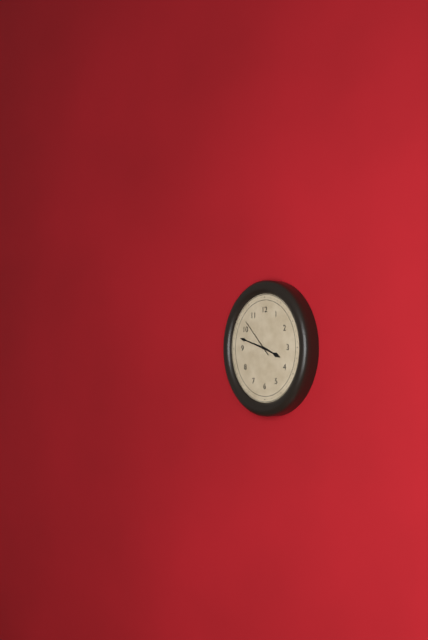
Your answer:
{"hour": 3, "minute": 48}
